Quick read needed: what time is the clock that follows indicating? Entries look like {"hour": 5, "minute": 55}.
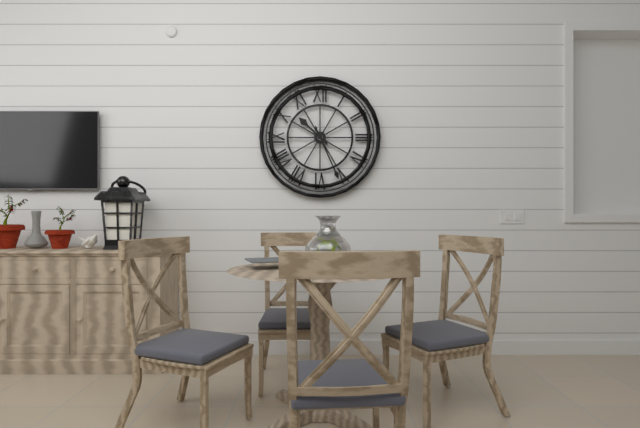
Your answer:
{"hour": 10, "minute": 26}
